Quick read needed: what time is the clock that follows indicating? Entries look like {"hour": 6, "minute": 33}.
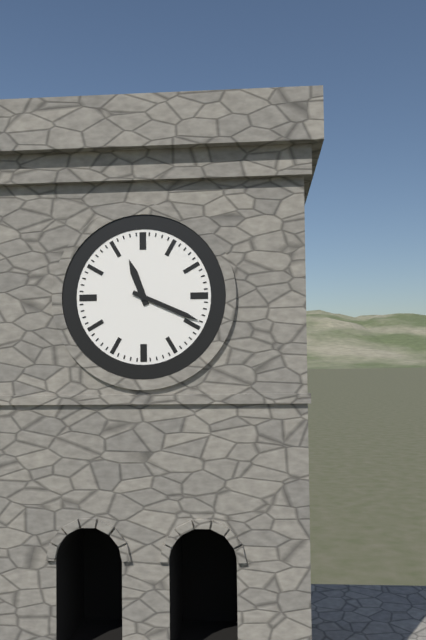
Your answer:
{"hour": 11, "minute": 19}
